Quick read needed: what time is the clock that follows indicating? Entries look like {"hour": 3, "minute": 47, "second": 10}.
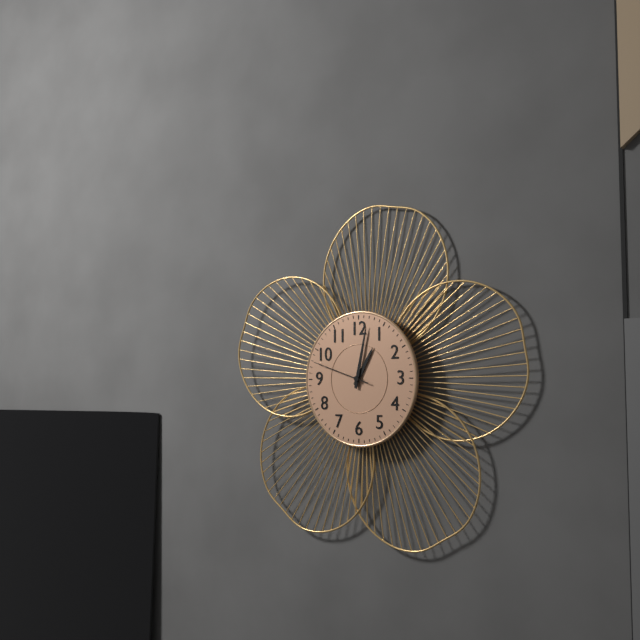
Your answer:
{"hour": 1, "minute": 2, "second": 48}
